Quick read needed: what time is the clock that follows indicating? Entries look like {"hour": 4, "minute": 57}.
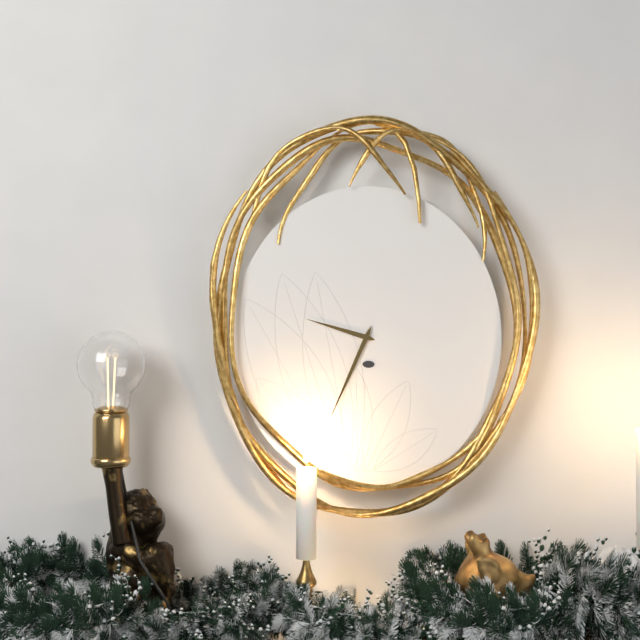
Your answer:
{"hour": 9, "minute": 34}
